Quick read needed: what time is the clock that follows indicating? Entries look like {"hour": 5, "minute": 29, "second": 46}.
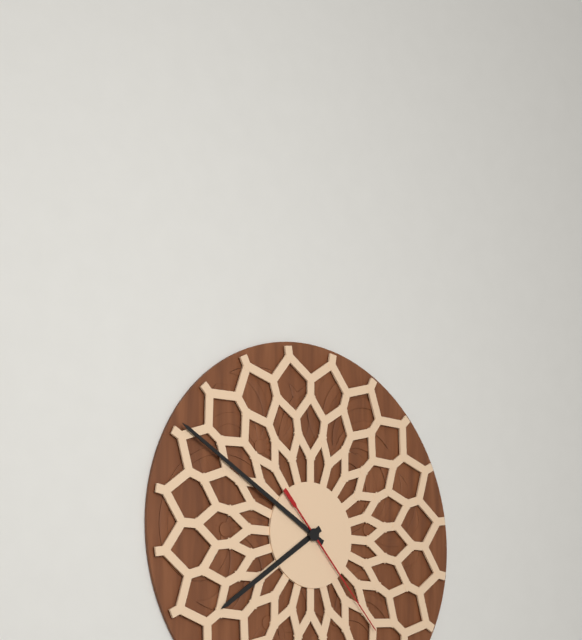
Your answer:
{"hour": 7, "minute": 50, "second": 23}
